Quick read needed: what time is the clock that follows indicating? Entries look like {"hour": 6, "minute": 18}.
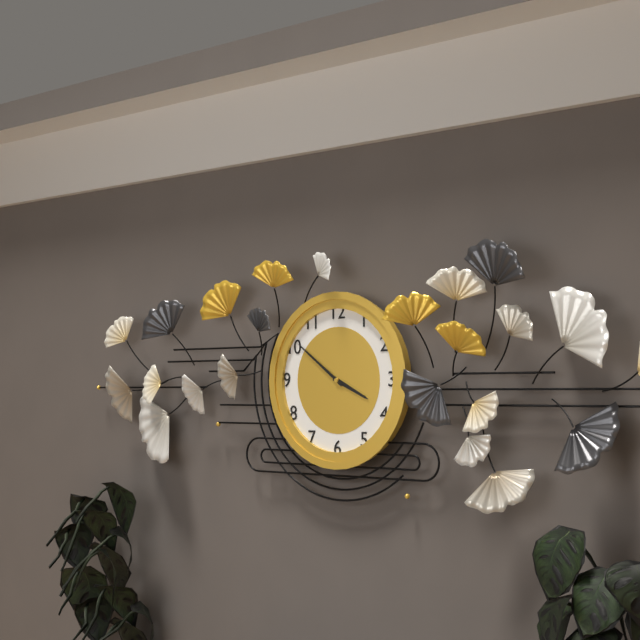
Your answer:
{"hour": 3, "minute": 51}
